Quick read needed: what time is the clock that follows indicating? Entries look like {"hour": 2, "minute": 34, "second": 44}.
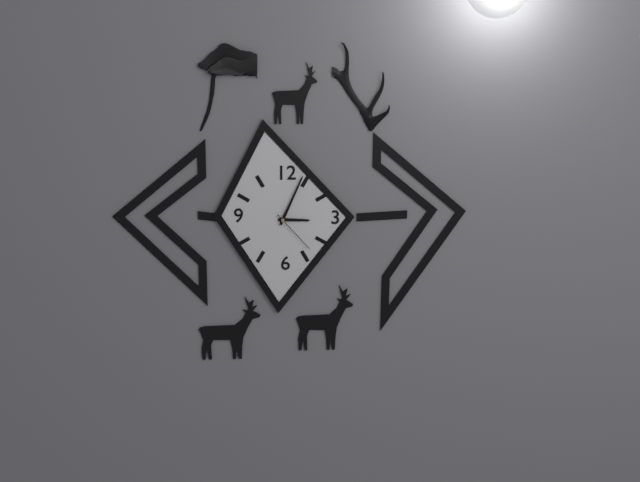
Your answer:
{"hour": 3, "minute": 4, "second": 23}
